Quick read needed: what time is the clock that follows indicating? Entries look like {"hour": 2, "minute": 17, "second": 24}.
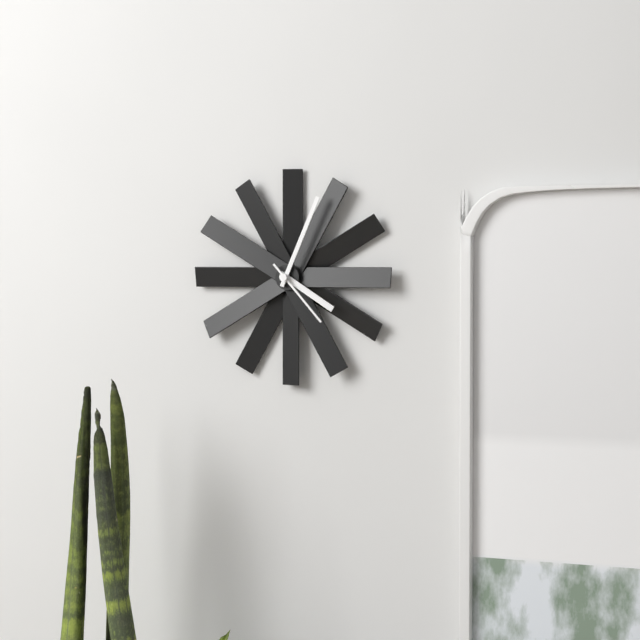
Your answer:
{"hour": 4, "minute": 4, "second": 23}
